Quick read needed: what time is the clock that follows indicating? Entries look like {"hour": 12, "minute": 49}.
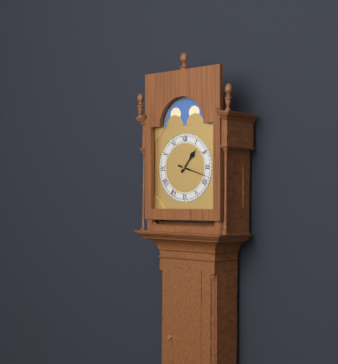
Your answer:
{"hour": 1, "minute": 18}
